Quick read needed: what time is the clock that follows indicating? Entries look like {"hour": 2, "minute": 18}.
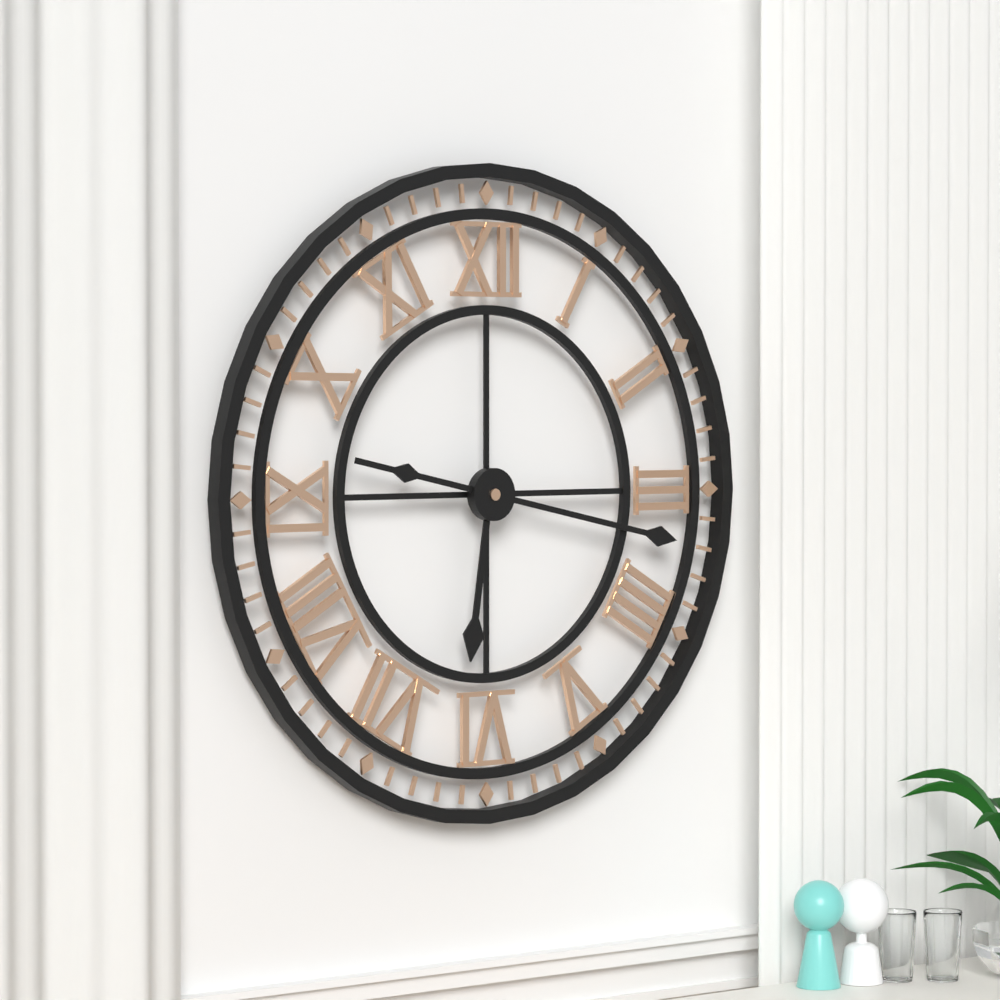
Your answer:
{"hour": 6, "minute": 17}
